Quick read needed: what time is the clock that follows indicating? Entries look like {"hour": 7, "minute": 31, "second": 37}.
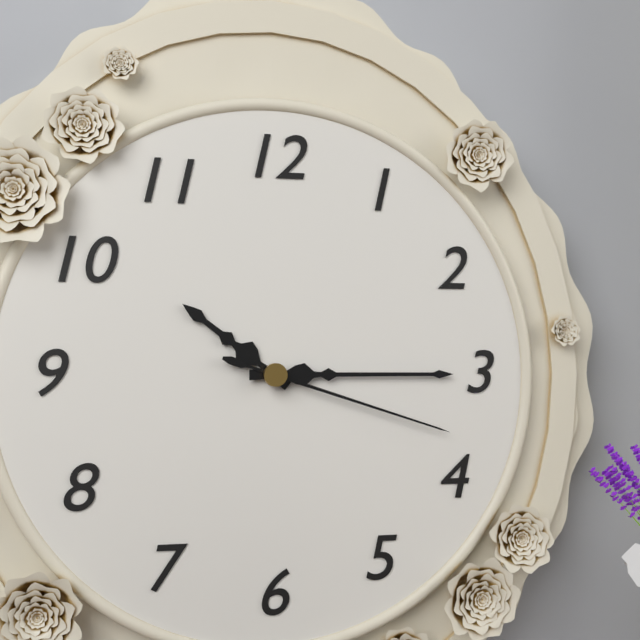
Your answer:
{"hour": 10, "minute": 15, "second": 18}
